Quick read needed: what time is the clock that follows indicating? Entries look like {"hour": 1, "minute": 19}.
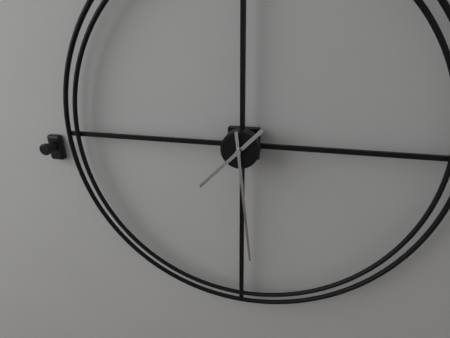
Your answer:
{"hour": 7, "minute": 29}
